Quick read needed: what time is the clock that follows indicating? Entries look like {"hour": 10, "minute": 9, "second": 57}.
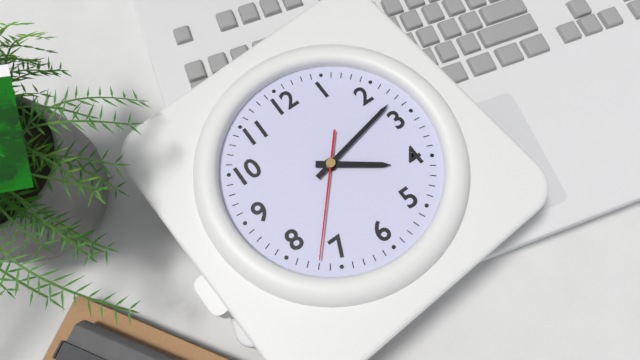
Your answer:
{"hour": 4, "minute": 13, "second": 37}
